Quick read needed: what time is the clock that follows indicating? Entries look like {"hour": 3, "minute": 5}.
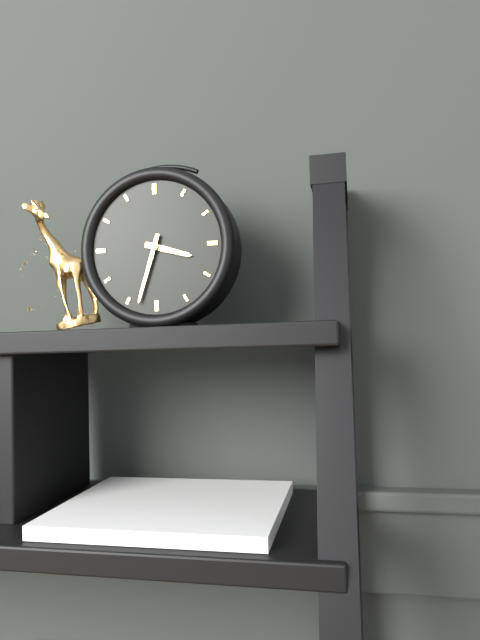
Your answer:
{"hour": 3, "minute": 33}
